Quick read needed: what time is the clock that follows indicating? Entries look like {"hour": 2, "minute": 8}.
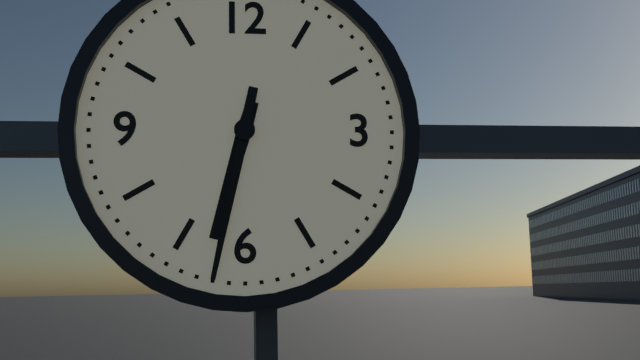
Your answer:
{"hour": 6, "minute": 32}
